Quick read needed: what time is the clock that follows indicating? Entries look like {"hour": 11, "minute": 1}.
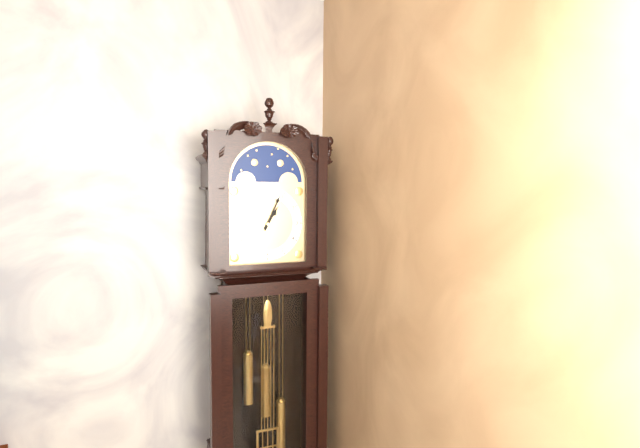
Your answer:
{"hour": 1, "minute": 4}
